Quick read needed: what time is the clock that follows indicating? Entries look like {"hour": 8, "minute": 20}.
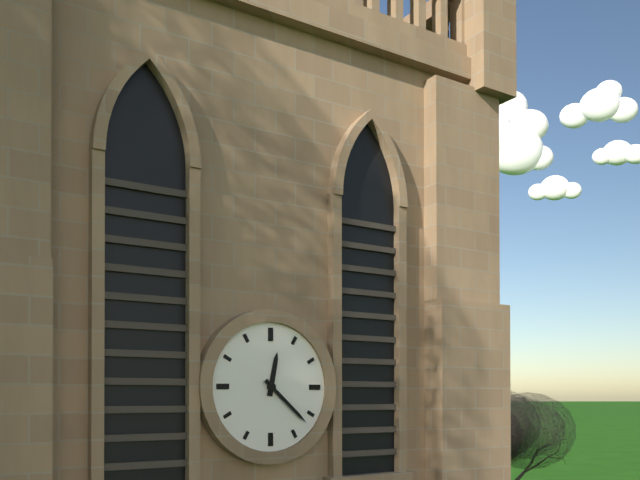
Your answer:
{"hour": 12, "minute": 22}
